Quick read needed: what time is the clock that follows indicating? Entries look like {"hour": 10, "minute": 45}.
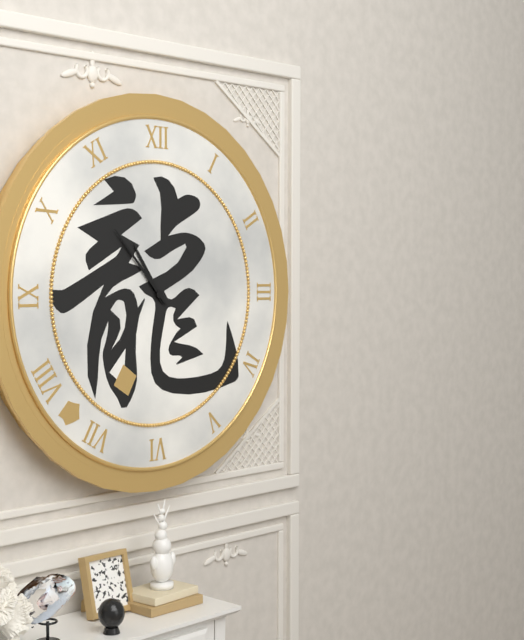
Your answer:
{"hour": 10, "minute": 53}
